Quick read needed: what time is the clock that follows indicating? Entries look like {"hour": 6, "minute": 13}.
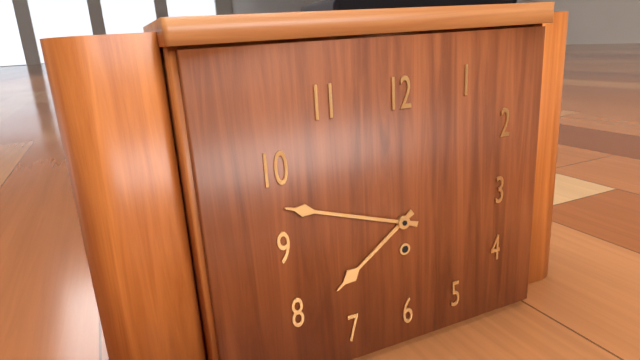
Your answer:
{"hour": 7, "minute": 48}
